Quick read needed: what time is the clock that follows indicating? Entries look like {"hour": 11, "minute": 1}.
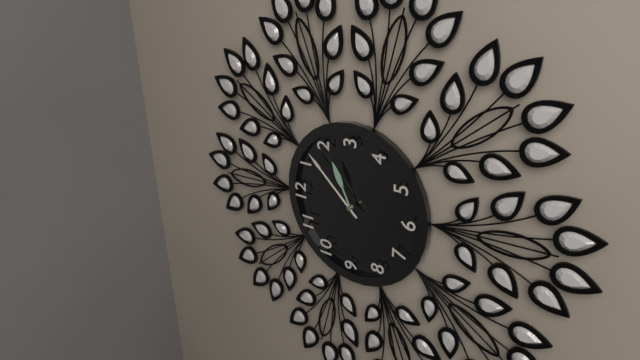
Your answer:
{"hour": 2, "minute": 7}
